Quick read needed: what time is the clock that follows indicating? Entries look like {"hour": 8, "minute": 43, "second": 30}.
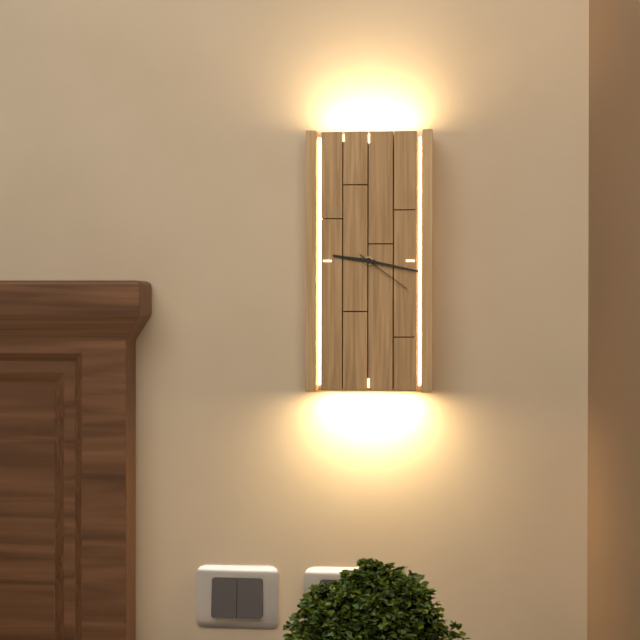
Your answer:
{"hour": 9, "minute": 17, "second": 21}
